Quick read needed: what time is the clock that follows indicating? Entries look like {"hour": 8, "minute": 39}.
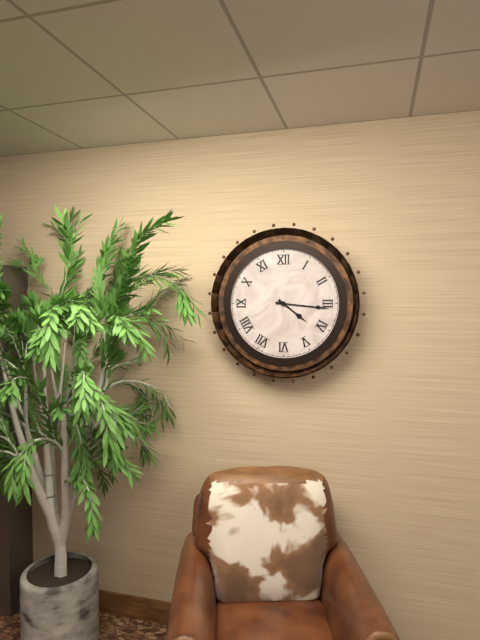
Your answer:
{"hour": 4, "minute": 16}
